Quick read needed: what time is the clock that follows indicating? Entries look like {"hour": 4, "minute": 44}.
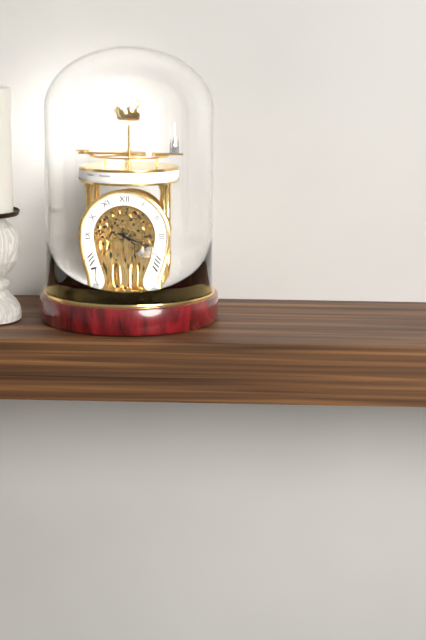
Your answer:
{"hour": 4, "minute": 19}
